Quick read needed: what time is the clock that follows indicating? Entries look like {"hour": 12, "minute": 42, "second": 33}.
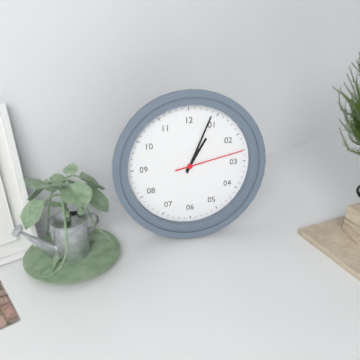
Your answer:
{"hour": 1, "minute": 4, "second": 13}
